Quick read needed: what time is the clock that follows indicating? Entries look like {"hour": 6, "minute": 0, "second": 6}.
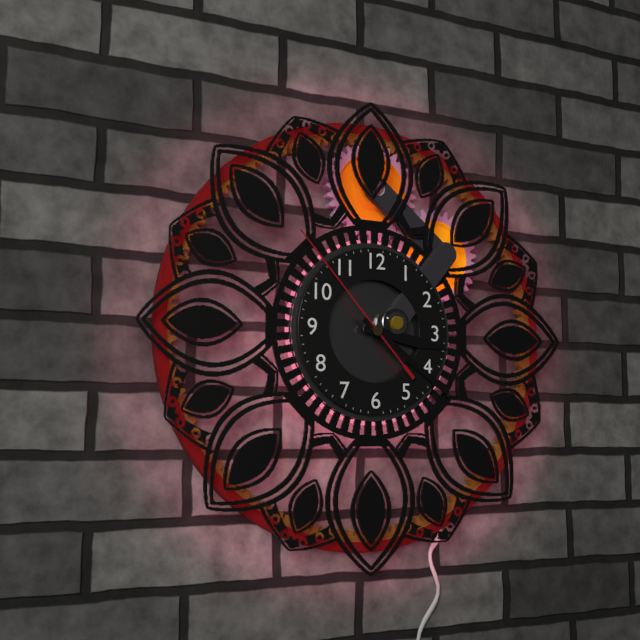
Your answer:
{"hour": 3, "minute": 21, "second": 53}
